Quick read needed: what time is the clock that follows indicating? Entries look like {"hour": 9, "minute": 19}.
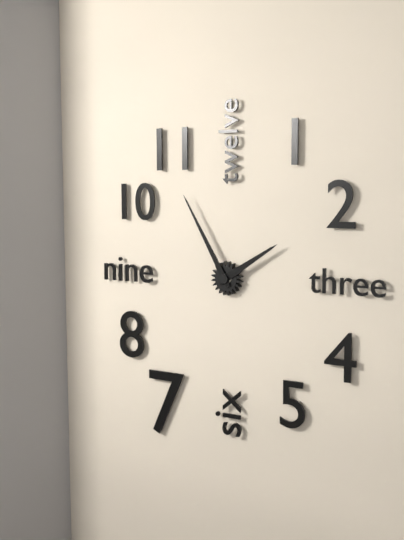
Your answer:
{"hour": 1, "minute": 55}
